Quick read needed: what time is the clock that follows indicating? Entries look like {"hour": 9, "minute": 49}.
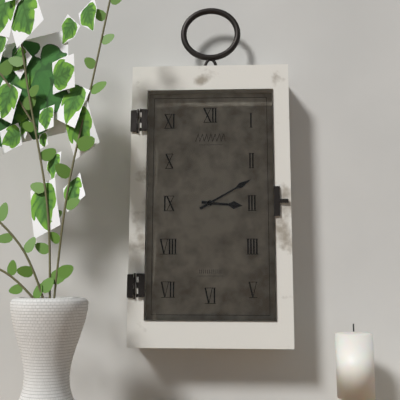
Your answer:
{"hour": 3, "minute": 10}
